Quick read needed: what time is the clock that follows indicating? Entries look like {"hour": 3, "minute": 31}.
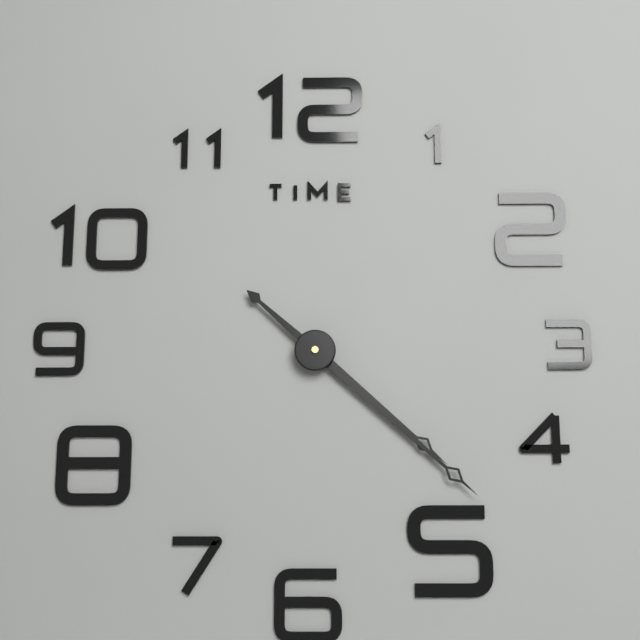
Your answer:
{"hour": 4, "minute": 22}
